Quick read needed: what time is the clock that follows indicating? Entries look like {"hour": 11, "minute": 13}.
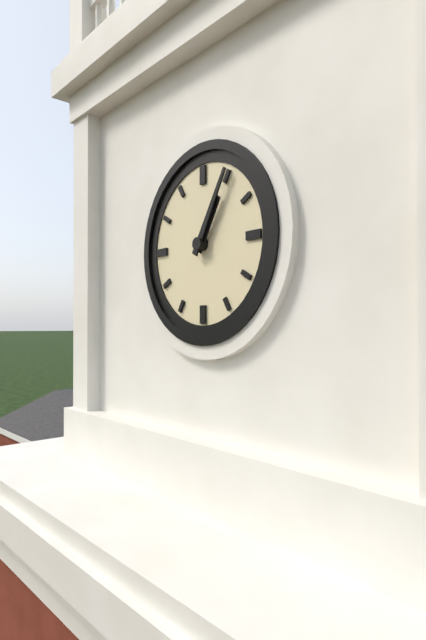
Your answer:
{"hour": 1, "minute": 5}
